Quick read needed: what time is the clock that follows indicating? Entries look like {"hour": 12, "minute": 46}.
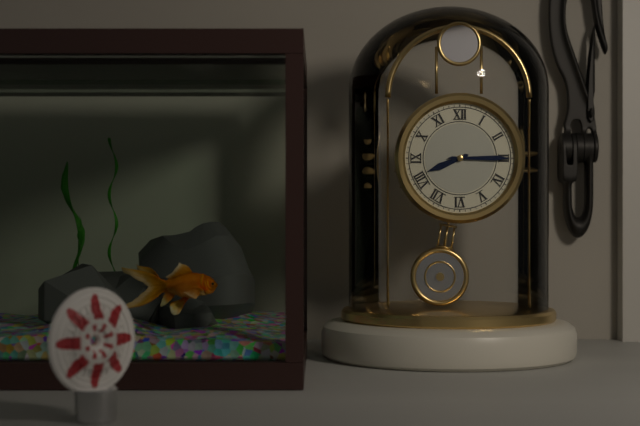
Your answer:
{"hour": 8, "minute": 15}
